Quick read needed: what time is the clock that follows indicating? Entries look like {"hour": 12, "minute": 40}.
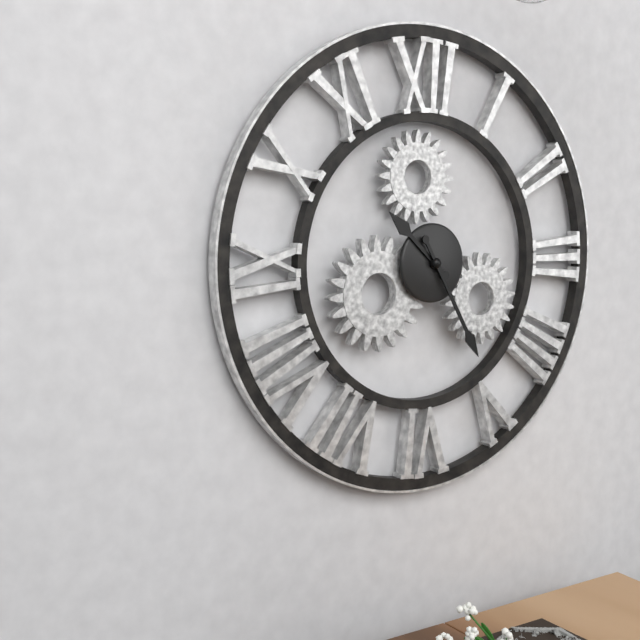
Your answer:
{"hour": 10, "minute": 25}
